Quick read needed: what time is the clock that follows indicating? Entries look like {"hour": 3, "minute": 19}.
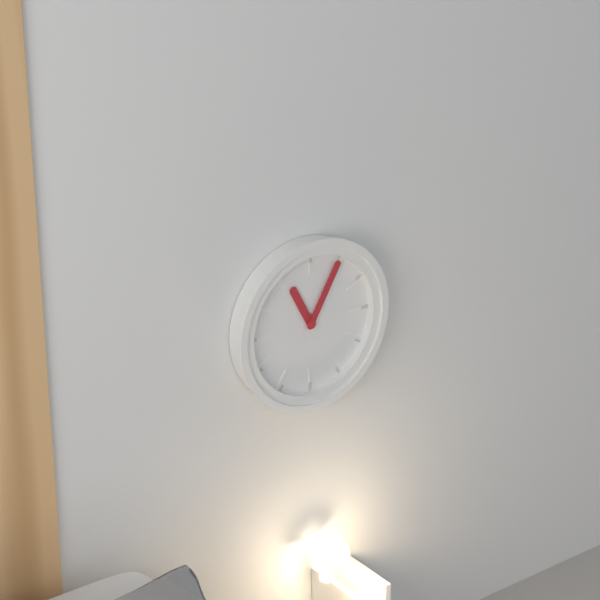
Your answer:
{"hour": 11, "minute": 5}
